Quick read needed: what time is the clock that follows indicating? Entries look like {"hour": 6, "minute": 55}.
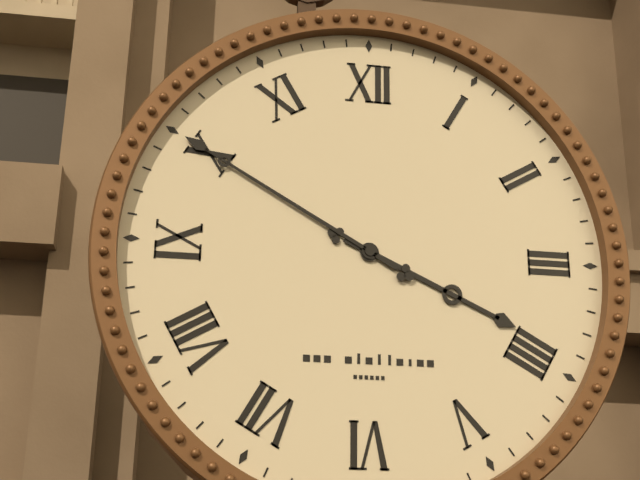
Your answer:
{"hour": 3, "minute": 50}
